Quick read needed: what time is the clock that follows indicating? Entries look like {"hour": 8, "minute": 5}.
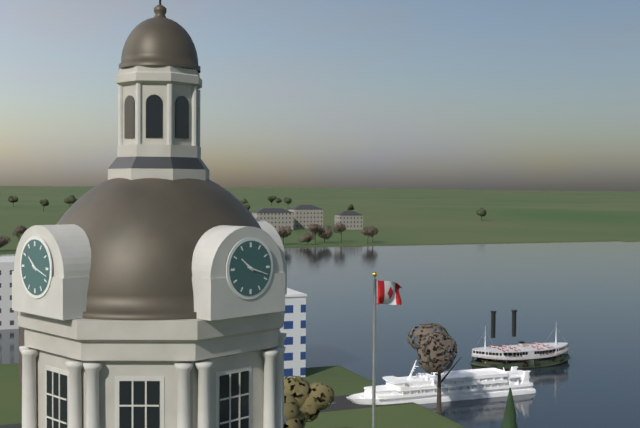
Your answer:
{"hour": 10, "minute": 18}
